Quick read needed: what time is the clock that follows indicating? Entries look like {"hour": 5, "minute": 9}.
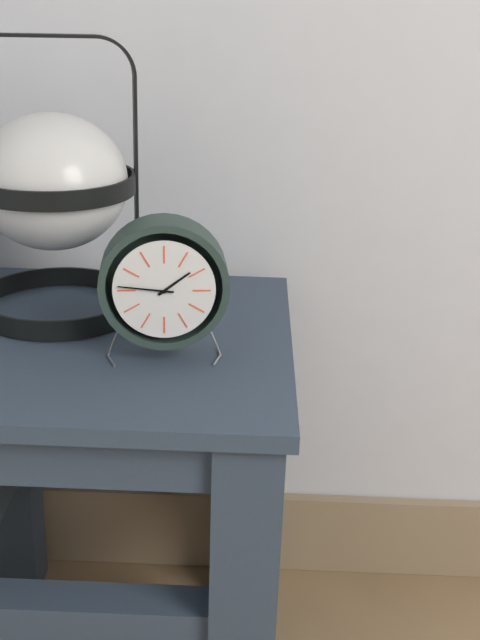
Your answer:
{"hour": 1, "minute": 46}
